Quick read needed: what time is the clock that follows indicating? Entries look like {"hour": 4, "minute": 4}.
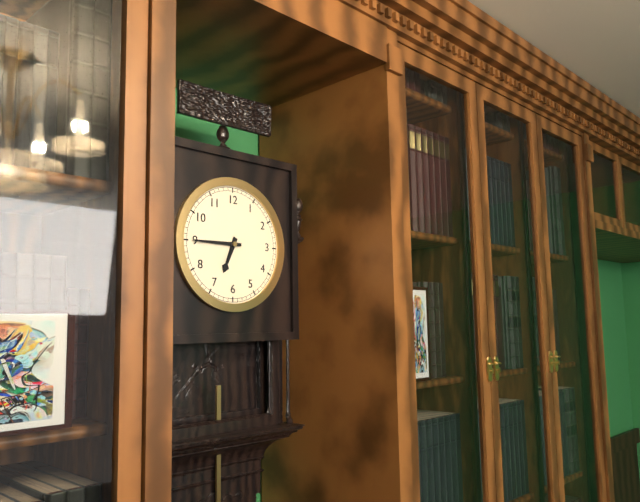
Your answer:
{"hour": 6, "minute": 45}
